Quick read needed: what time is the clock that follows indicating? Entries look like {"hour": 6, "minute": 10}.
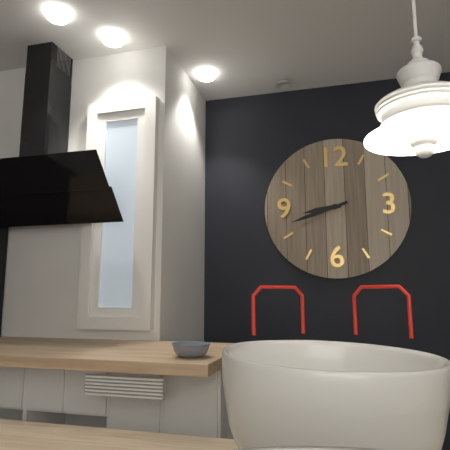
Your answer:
{"hour": 8, "minute": 42}
